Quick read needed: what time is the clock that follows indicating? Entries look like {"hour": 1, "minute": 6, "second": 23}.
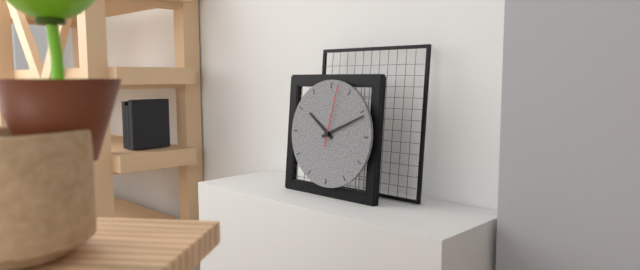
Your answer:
{"hour": 10, "minute": 11, "second": 2}
